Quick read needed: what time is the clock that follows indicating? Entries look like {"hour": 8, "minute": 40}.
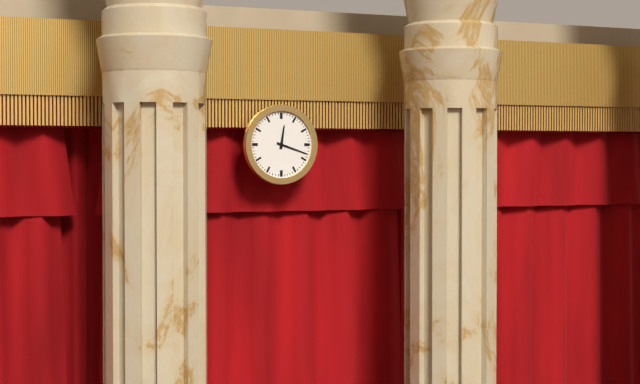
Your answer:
{"hour": 12, "minute": 18}
